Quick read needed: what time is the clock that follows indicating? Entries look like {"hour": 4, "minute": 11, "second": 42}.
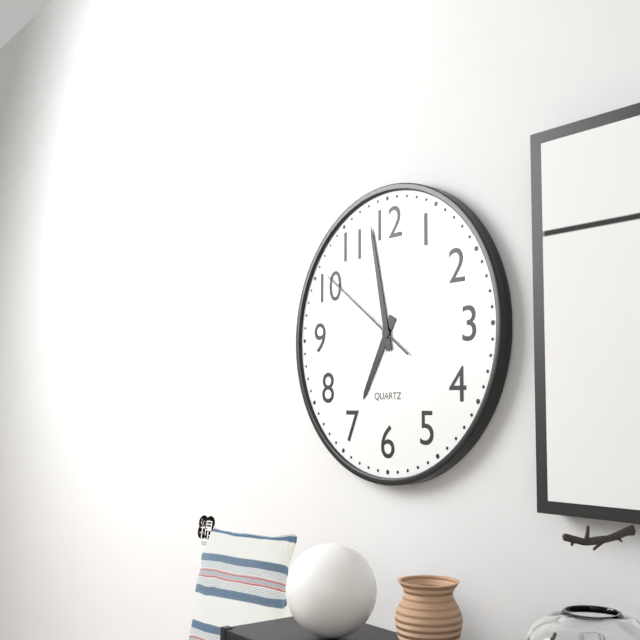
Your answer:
{"hour": 6, "minute": 58, "second": 51}
